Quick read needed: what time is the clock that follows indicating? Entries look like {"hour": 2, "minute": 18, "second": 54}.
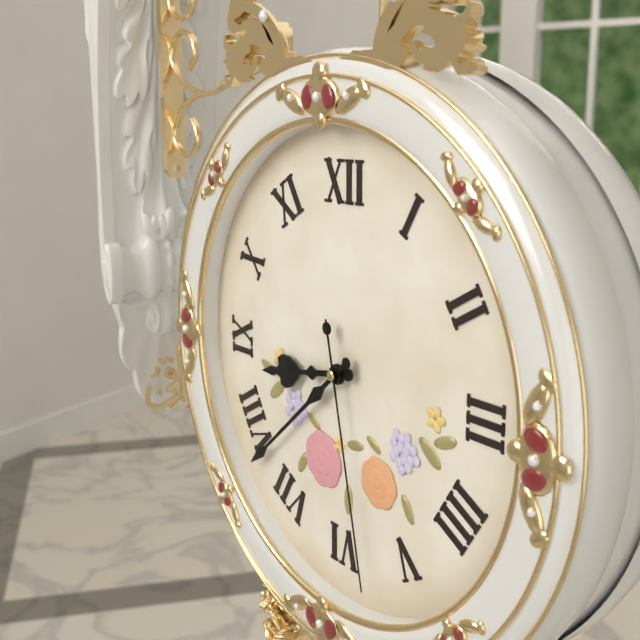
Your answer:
{"hour": 8, "minute": 38, "second": 28}
